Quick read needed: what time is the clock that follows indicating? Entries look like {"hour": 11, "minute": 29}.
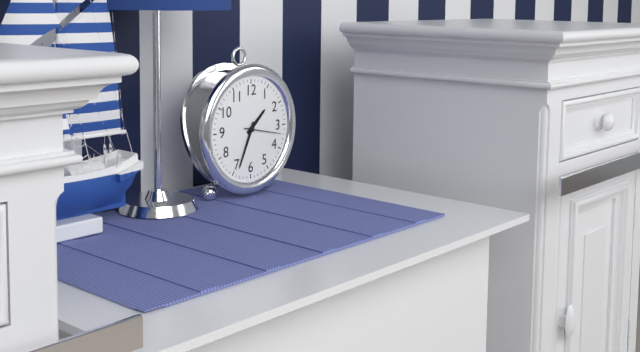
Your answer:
{"hour": 1, "minute": 34}
